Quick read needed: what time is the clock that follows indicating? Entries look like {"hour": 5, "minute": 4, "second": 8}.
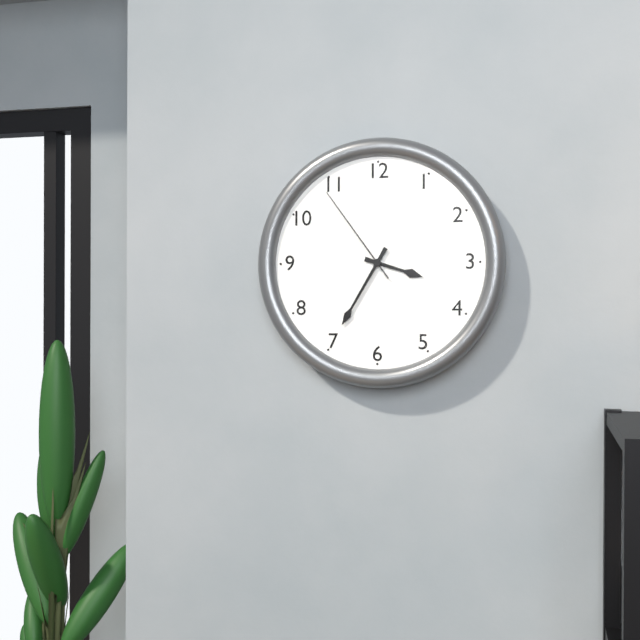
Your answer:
{"hour": 3, "minute": 35, "second": 54}
